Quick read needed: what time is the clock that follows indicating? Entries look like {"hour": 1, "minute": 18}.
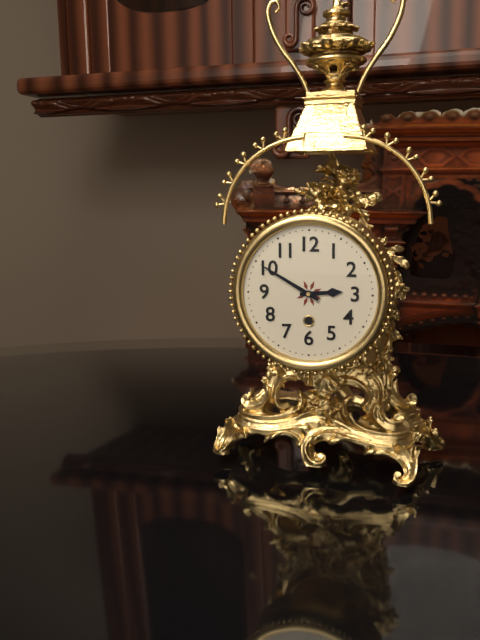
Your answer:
{"hour": 2, "minute": 50}
